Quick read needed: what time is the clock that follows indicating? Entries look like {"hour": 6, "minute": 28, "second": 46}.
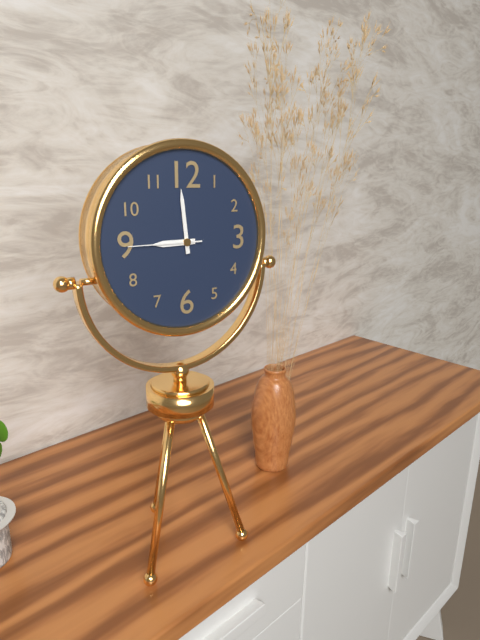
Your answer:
{"hour": 8, "minute": 59, "second": 45}
